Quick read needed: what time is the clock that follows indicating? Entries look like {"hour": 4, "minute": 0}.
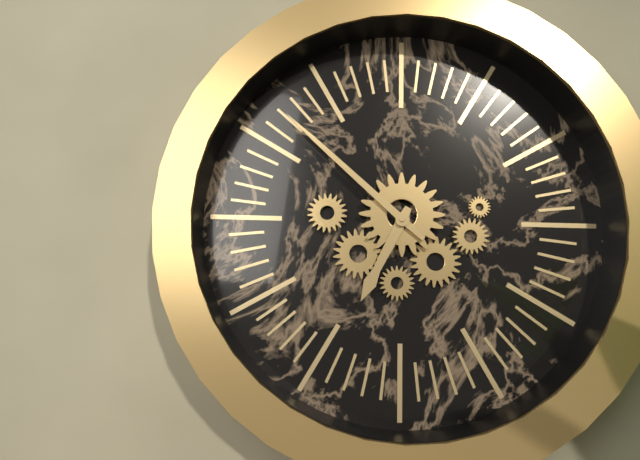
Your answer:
{"hour": 6, "minute": 52}
